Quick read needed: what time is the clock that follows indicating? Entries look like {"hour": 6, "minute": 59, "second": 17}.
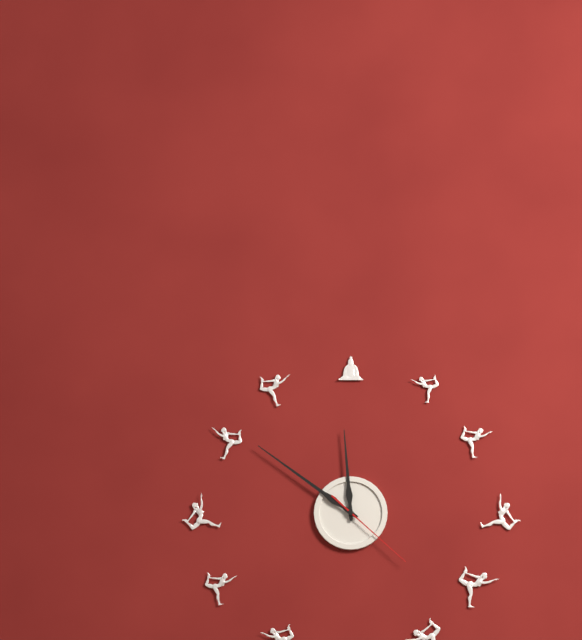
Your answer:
{"hour": 11, "minute": 51, "second": 22}
